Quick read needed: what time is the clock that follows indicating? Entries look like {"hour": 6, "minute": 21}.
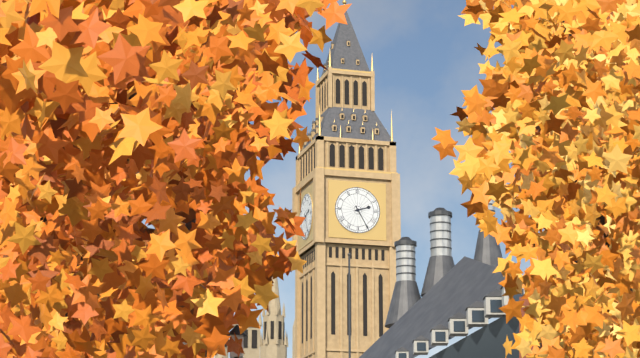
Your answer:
{"hour": 2, "minute": 25}
